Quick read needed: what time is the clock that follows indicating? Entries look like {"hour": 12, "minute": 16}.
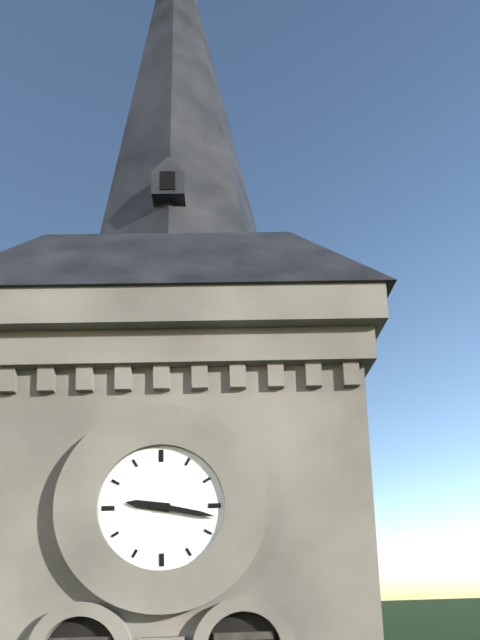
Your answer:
{"hour": 9, "minute": 17}
